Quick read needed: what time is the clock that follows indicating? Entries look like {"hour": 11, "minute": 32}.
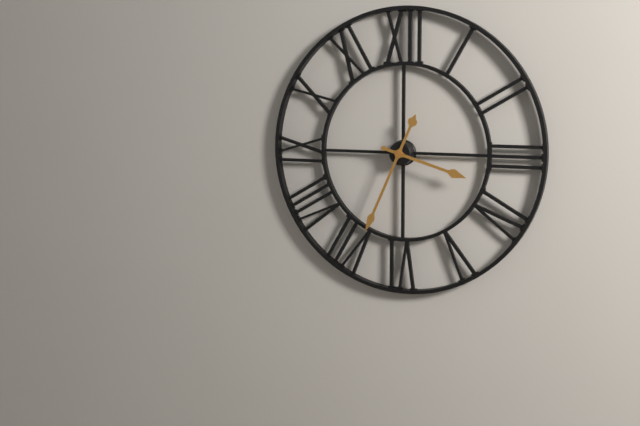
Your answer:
{"hour": 3, "minute": 34}
